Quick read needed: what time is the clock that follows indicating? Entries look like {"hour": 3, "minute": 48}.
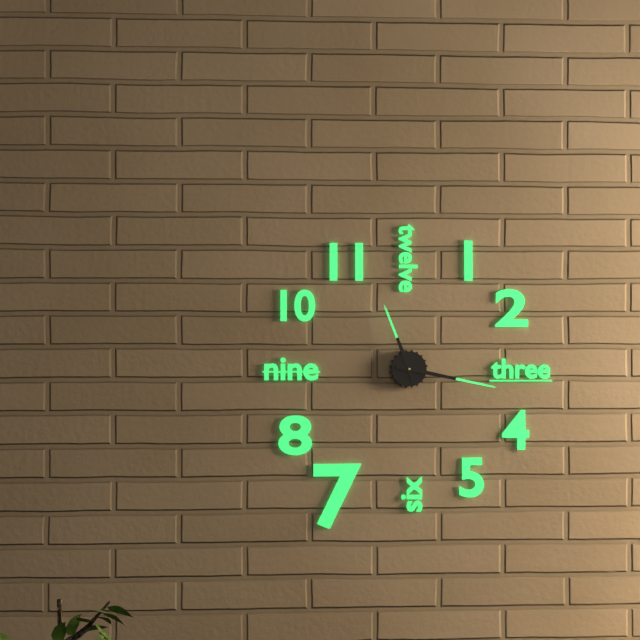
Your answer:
{"hour": 11, "minute": 17}
